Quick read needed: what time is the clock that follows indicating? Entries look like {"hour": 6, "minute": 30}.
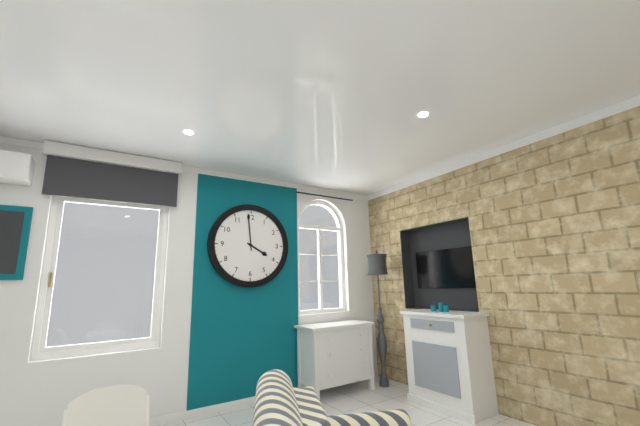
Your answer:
{"hour": 3, "minute": 59}
